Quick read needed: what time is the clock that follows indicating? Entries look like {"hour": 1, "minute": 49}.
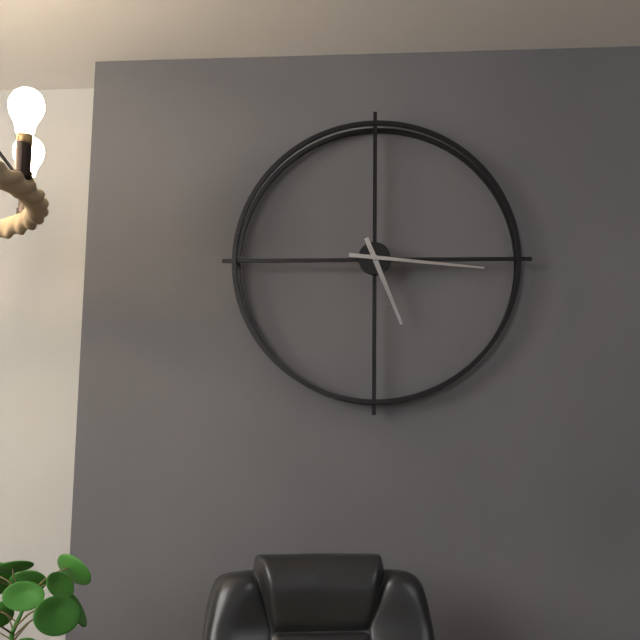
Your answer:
{"hour": 5, "minute": 16}
